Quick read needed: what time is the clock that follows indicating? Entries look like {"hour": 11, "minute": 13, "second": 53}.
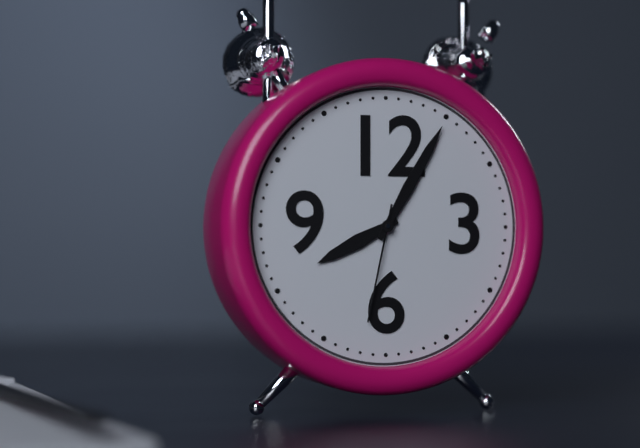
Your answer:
{"hour": 8, "minute": 5, "second": 32}
